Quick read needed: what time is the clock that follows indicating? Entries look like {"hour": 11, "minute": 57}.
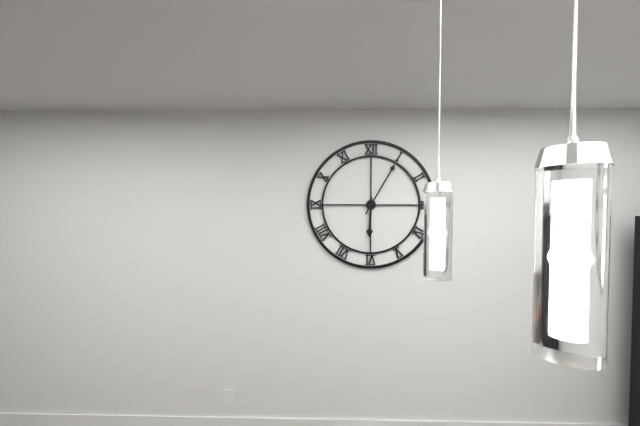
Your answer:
{"hour": 6, "minute": 5}
